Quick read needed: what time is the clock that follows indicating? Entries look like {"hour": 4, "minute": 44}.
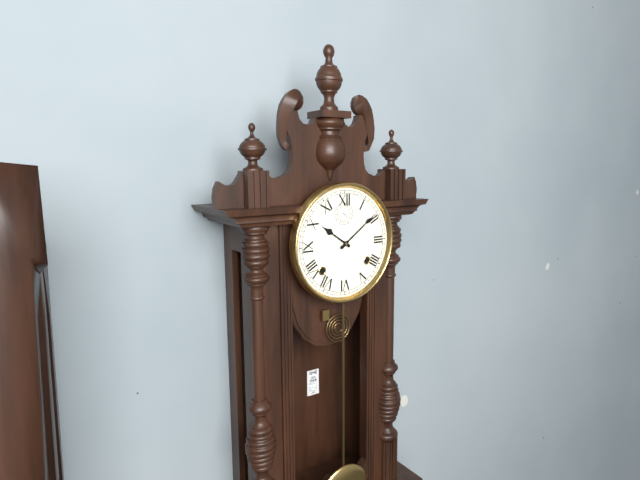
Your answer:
{"hour": 10, "minute": 9}
